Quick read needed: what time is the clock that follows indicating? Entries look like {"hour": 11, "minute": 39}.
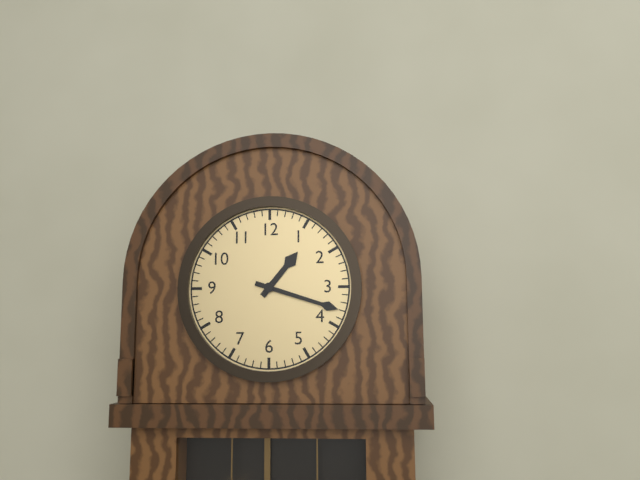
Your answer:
{"hour": 1, "minute": 18}
